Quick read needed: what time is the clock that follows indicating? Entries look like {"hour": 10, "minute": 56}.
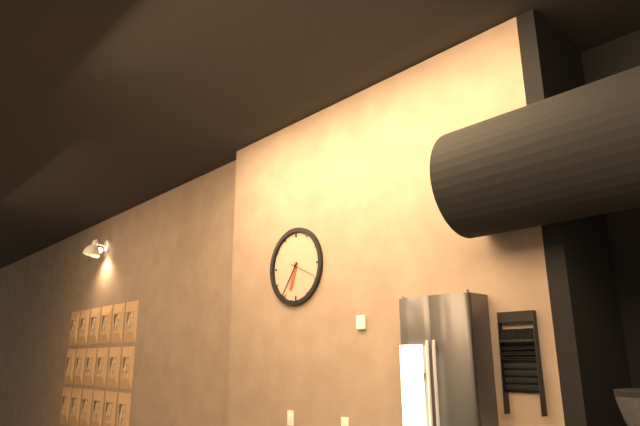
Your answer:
{"hour": 6, "minute": 36}
